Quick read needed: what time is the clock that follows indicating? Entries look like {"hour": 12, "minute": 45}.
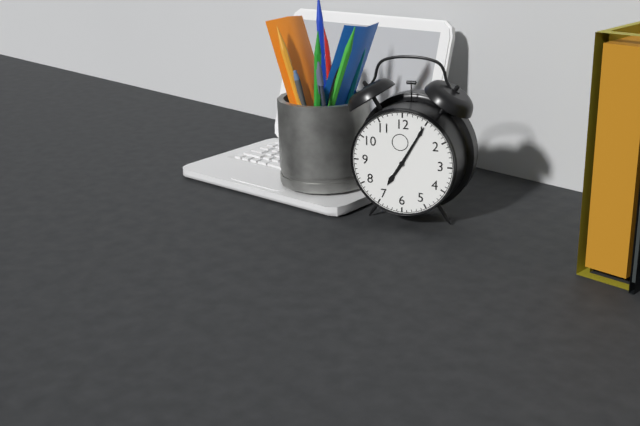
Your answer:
{"hour": 7, "minute": 5}
